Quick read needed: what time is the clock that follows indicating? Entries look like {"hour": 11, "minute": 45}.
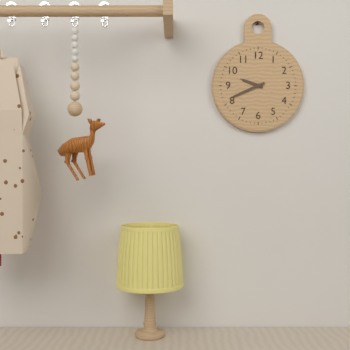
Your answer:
{"hour": 9, "minute": 41}
